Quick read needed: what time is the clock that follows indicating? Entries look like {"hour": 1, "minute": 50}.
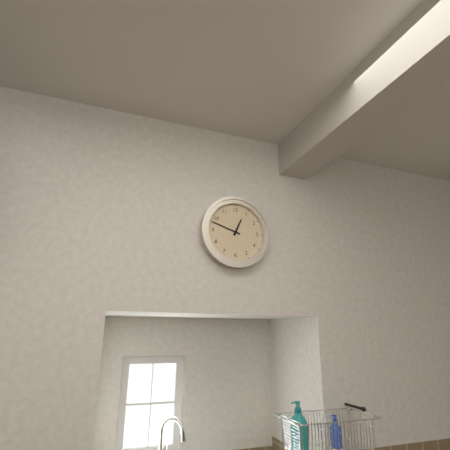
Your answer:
{"hour": 12, "minute": 48}
